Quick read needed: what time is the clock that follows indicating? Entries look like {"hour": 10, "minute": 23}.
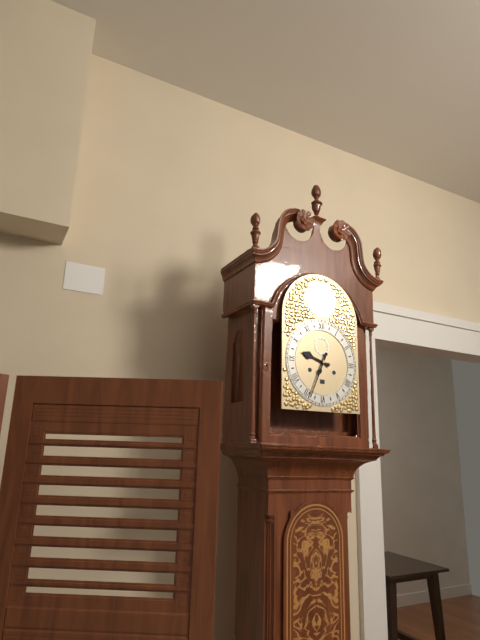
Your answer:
{"hour": 9, "minute": 34}
